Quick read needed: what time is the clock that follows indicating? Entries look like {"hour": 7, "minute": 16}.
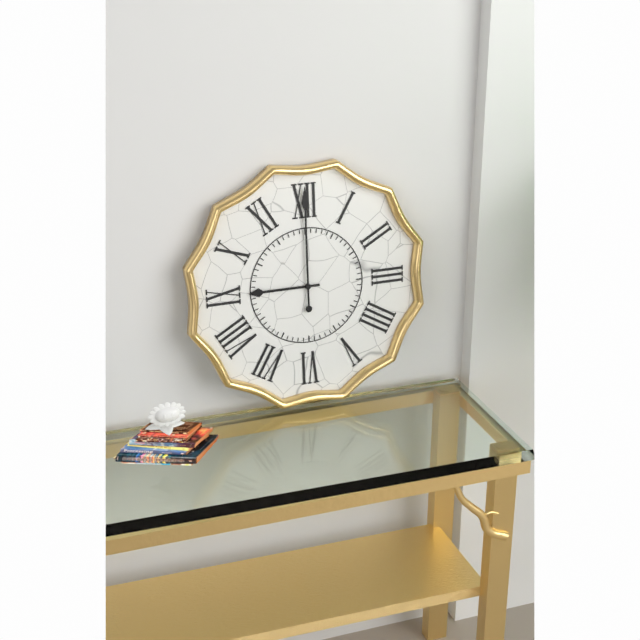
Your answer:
{"hour": 9, "minute": 0}
